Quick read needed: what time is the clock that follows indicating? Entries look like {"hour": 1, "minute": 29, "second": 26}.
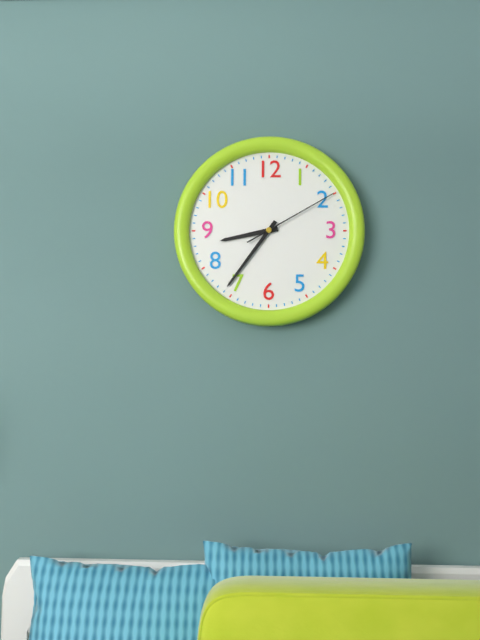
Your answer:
{"hour": 8, "minute": 36, "second": 10}
